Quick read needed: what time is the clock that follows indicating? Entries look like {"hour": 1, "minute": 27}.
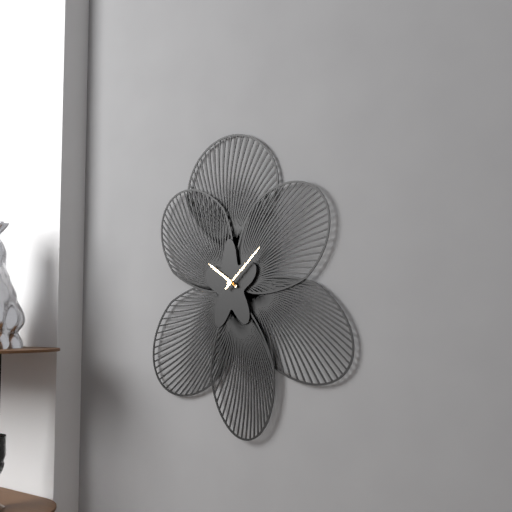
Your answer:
{"hour": 10, "minute": 8}
